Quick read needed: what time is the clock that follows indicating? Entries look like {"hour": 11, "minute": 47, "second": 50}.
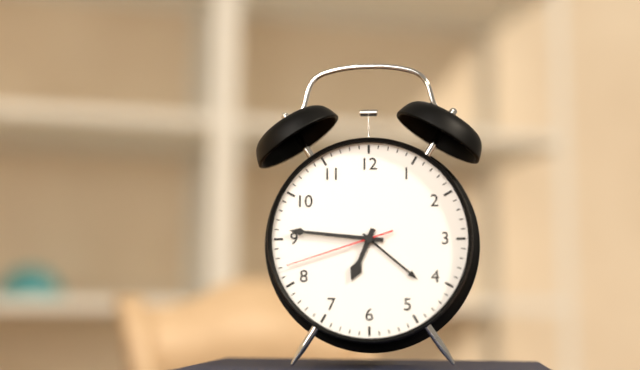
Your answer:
{"hour": 6, "minute": 46, "second": 42}
